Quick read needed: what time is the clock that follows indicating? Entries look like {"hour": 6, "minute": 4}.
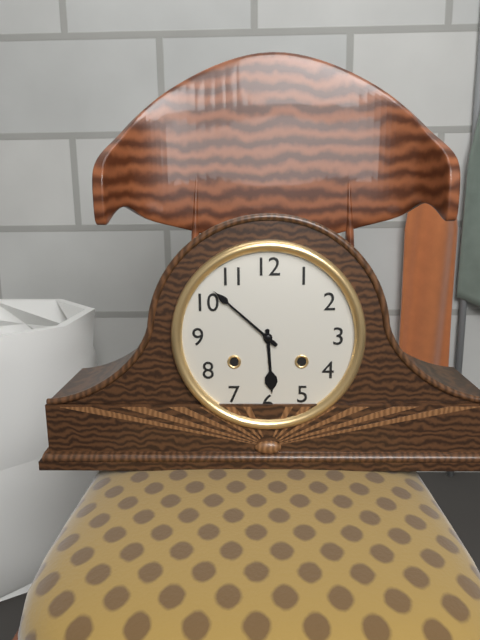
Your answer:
{"hour": 5, "minute": 52}
